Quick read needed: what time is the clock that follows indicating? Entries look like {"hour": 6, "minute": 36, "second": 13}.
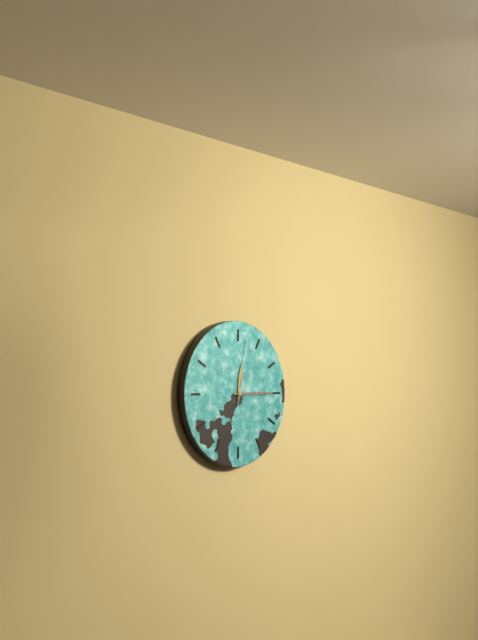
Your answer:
{"hour": 12, "minute": 15, "second": 2}
